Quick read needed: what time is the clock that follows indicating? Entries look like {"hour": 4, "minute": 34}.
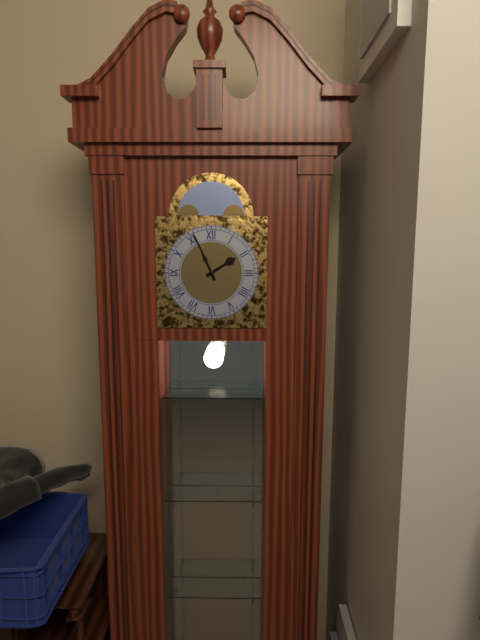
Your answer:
{"hour": 1, "minute": 56}
